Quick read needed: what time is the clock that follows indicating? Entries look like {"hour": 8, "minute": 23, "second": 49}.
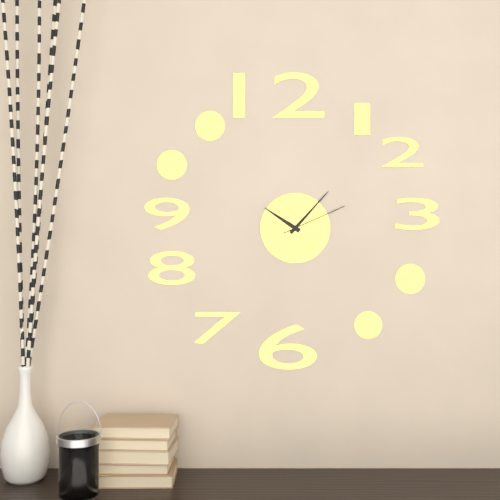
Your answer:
{"hour": 10, "minute": 7, "second": 11}
